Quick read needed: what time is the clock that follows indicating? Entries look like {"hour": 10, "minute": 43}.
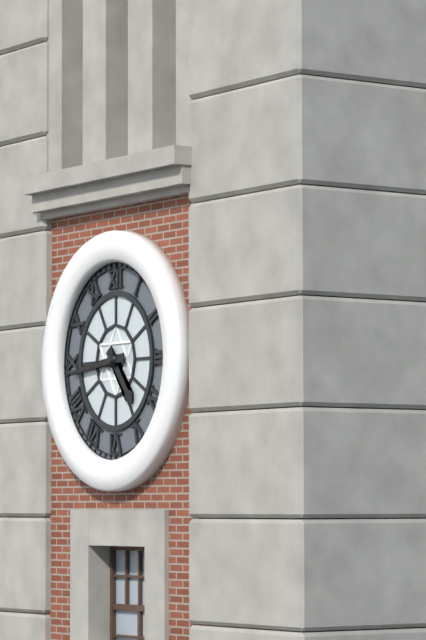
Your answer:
{"hour": 4, "minute": 44}
